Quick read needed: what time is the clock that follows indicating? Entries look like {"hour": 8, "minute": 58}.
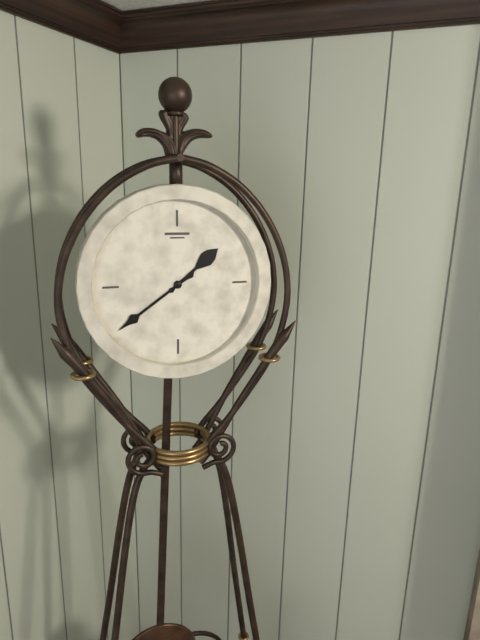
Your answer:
{"hour": 1, "minute": 39}
